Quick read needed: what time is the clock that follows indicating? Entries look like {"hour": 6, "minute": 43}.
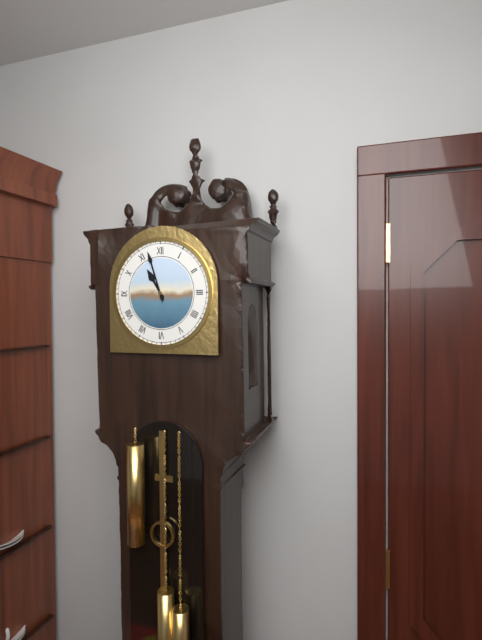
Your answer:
{"hour": 10, "minute": 57}
